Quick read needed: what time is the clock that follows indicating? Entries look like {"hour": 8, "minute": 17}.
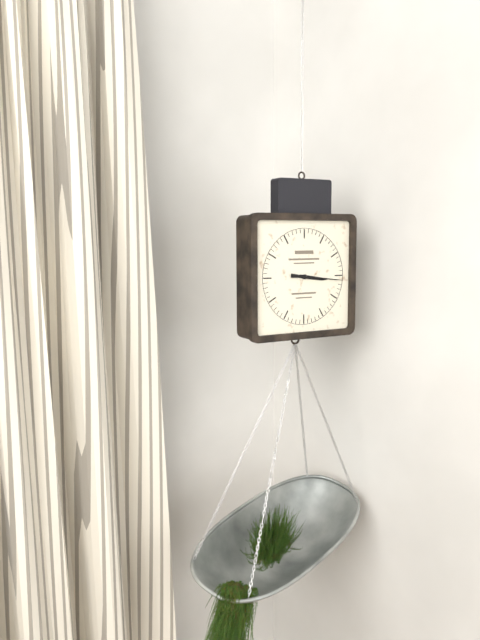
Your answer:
{"hour": 3, "minute": 16}
